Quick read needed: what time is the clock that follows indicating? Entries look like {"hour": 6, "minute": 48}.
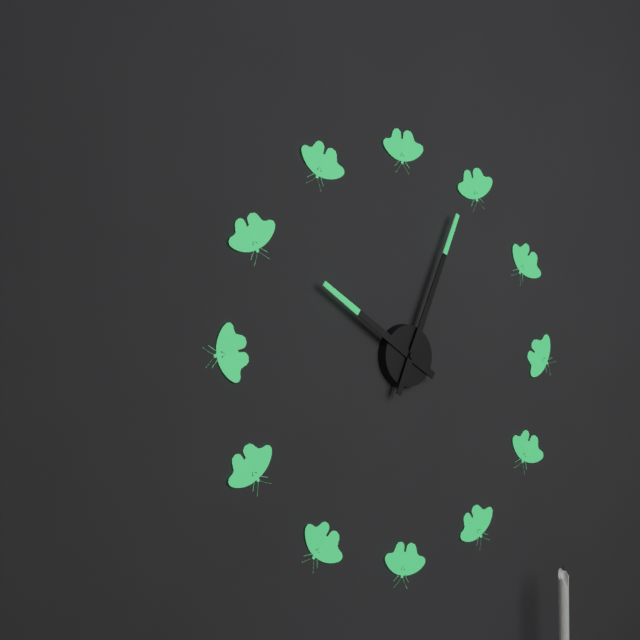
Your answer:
{"hour": 10, "minute": 4}
